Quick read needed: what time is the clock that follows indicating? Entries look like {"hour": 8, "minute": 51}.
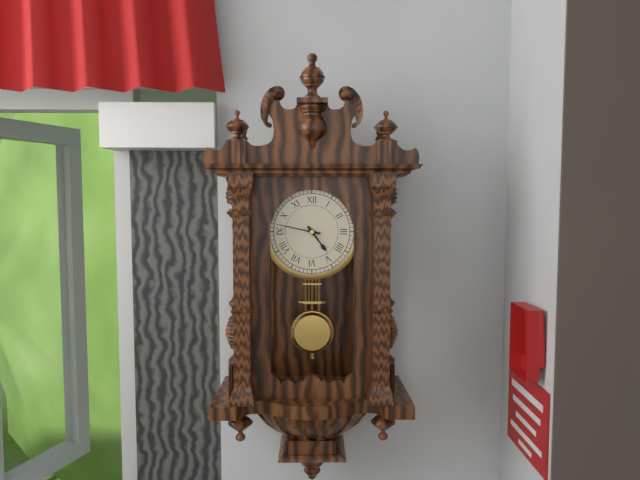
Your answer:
{"hour": 4, "minute": 47}
